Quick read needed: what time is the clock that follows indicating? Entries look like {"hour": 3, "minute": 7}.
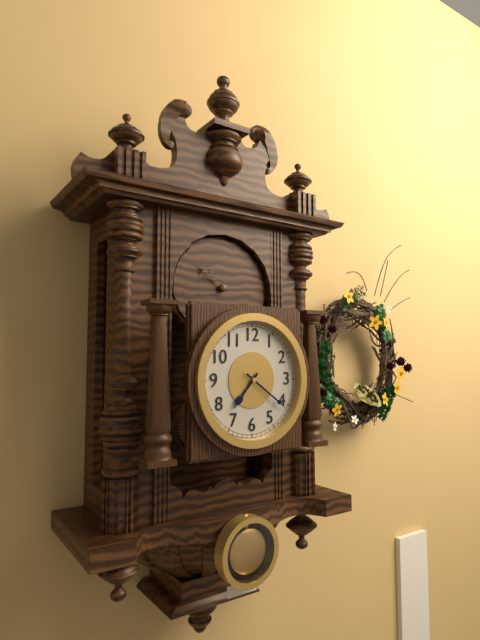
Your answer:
{"hour": 7, "minute": 21}
